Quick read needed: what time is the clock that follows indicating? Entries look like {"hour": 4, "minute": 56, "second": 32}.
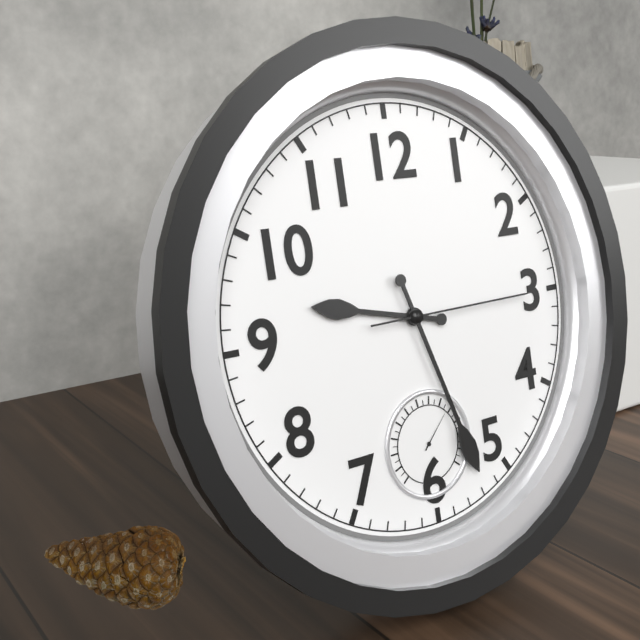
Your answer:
{"hour": 9, "minute": 27, "second": 15}
